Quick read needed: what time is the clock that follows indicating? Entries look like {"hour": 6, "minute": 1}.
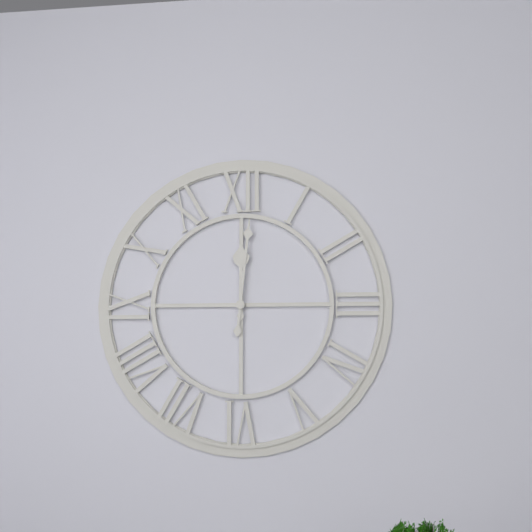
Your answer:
{"hour": 12, "minute": 1}
